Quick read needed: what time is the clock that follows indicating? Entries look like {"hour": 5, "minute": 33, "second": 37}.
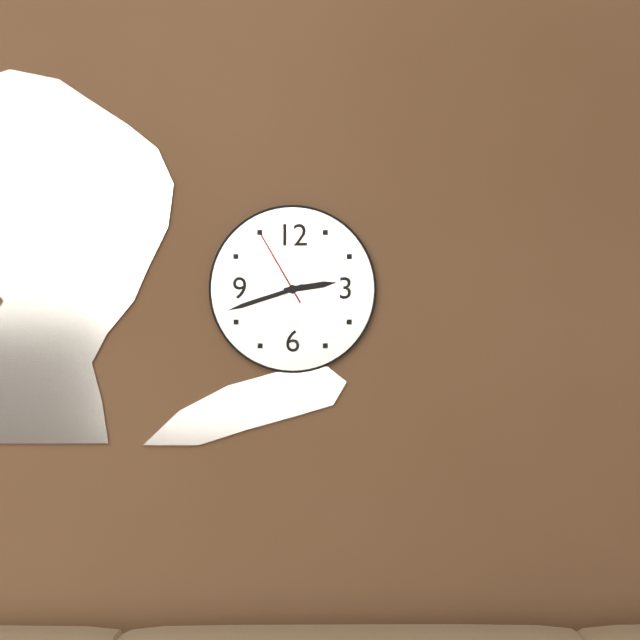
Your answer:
{"hour": 2, "minute": 42, "second": 55}
